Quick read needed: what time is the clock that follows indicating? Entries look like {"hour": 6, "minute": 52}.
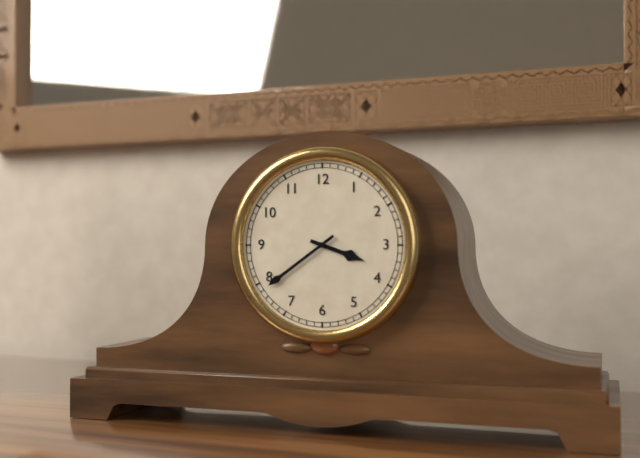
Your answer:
{"hour": 3, "minute": 39}
